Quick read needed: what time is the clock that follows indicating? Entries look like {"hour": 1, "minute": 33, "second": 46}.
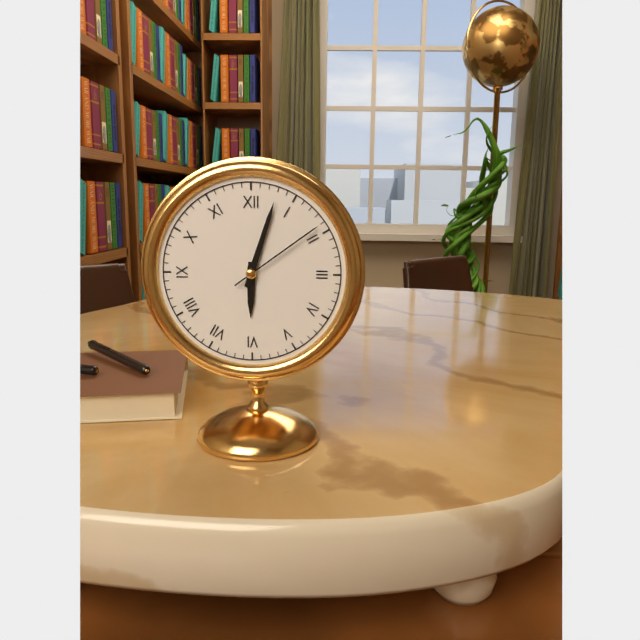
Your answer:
{"hour": 6, "minute": 3, "second": 9}
